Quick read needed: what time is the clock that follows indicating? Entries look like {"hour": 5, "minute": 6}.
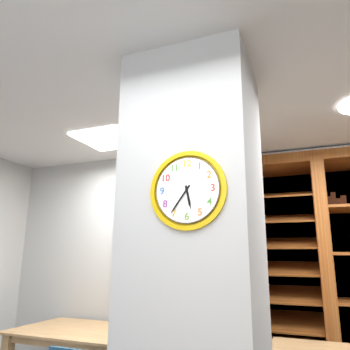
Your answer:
{"hour": 5, "minute": 36}
